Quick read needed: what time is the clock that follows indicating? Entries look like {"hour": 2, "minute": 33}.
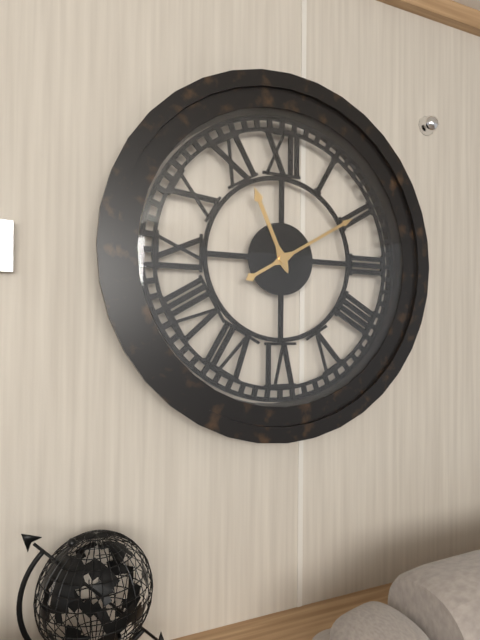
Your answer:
{"hour": 11, "minute": 10}
